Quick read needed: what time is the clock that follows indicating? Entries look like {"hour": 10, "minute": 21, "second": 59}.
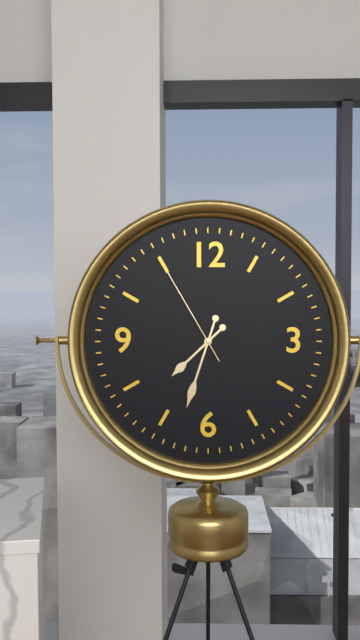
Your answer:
{"hour": 7, "minute": 33, "second": 55}
